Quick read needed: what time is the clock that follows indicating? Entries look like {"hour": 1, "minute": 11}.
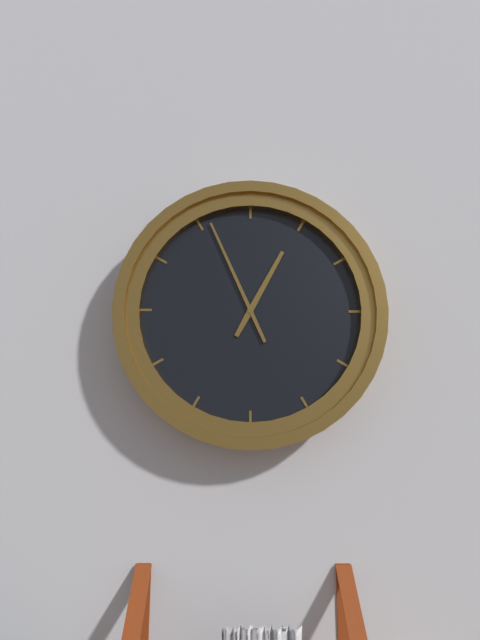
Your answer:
{"hour": 12, "minute": 56}
